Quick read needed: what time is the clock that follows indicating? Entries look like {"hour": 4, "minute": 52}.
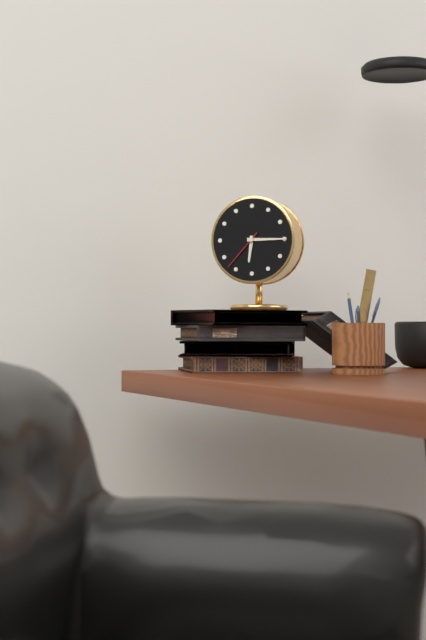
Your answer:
{"hour": 6, "minute": 15}
